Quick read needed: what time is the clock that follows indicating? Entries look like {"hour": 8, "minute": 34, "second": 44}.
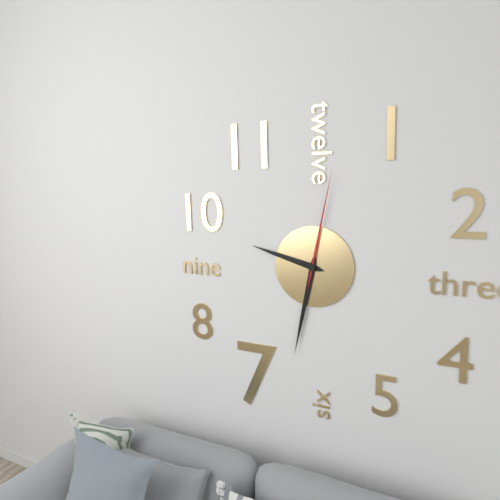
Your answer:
{"hour": 9, "minute": 32, "second": 2}
